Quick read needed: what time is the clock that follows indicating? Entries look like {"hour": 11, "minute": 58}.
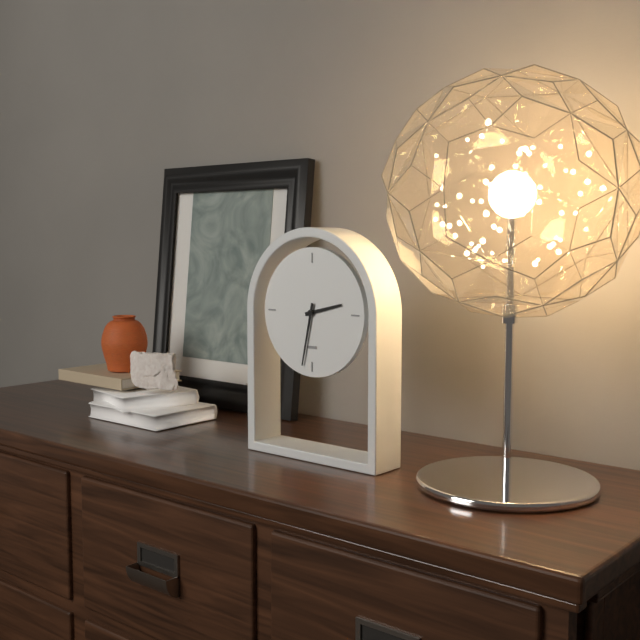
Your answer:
{"hour": 2, "minute": 32}
